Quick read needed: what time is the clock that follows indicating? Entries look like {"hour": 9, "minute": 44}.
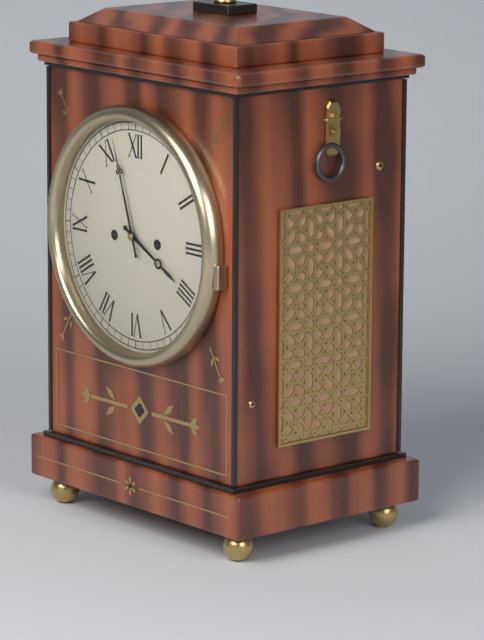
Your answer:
{"hour": 3, "minute": 57}
